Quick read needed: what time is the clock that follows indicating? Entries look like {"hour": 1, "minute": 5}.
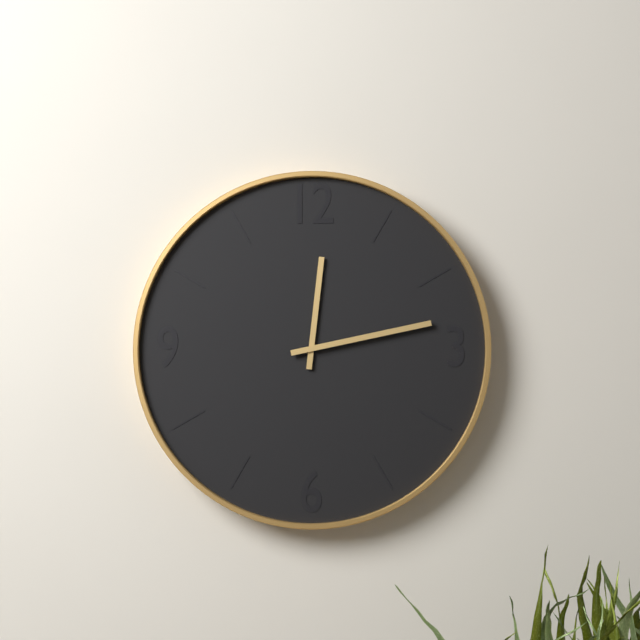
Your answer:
{"hour": 12, "minute": 13}
